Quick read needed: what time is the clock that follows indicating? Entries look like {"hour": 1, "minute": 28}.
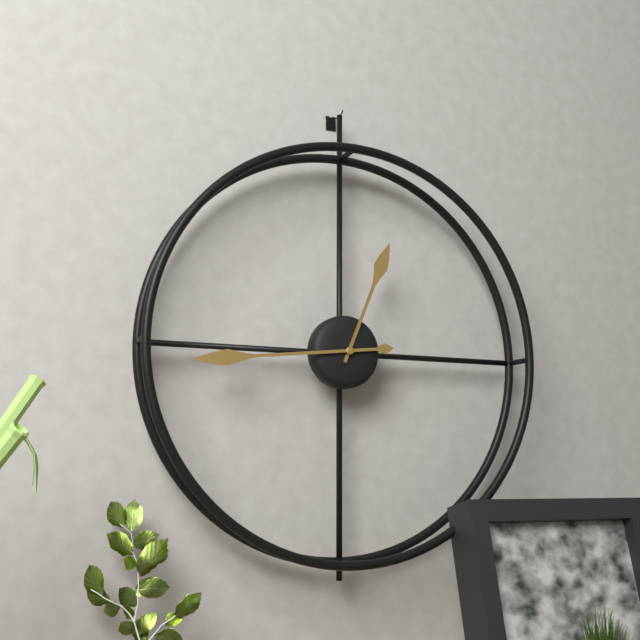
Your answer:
{"hour": 12, "minute": 44}
